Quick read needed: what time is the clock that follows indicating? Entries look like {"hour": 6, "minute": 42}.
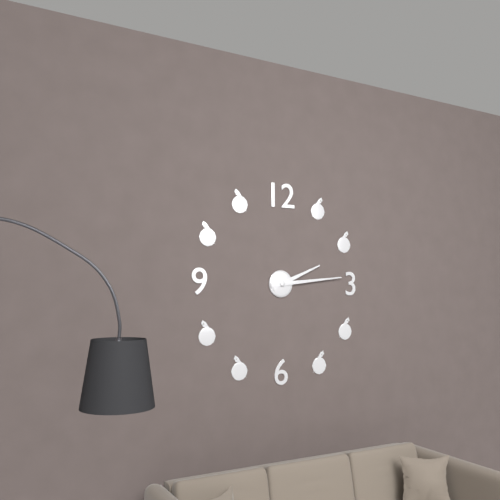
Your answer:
{"hour": 2, "minute": 14}
